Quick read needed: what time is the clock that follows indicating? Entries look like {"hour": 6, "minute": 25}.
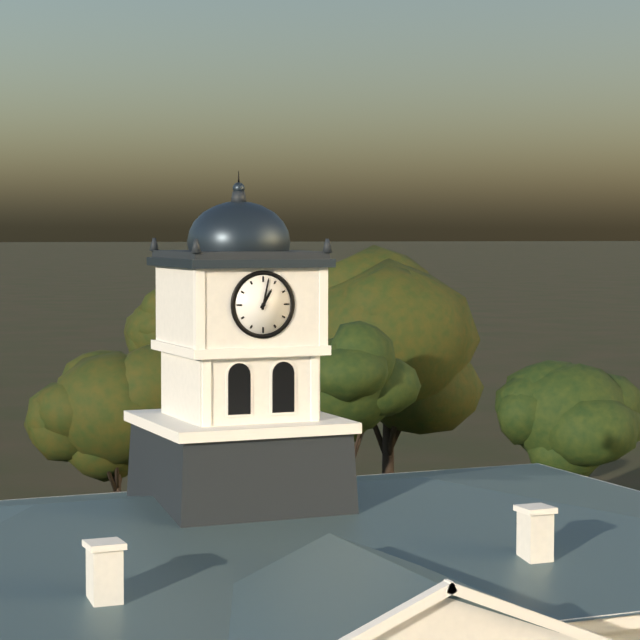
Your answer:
{"hour": 1, "minute": 2}
